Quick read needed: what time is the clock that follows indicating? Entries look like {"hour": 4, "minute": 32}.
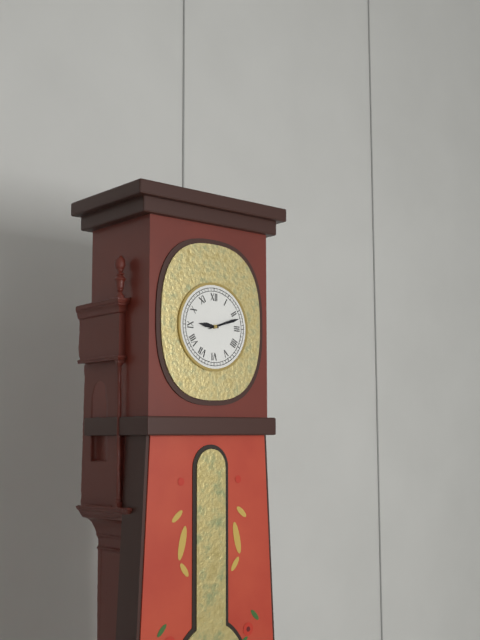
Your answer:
{"hour": 9, "minute": 12}
